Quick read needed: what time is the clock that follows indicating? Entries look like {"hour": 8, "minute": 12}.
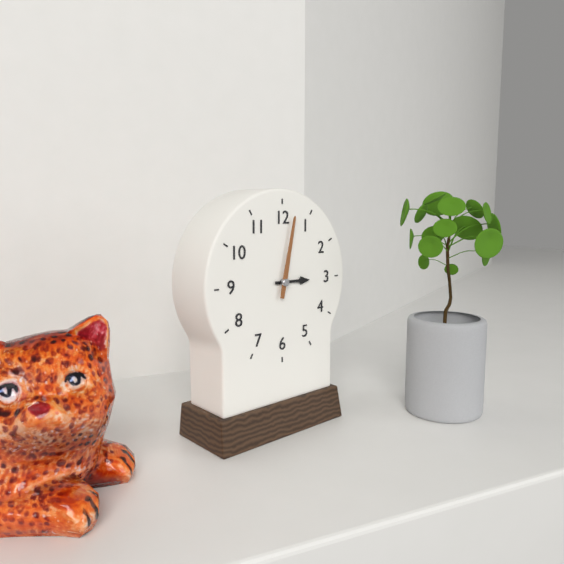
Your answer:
{"hour": 3, "minute": 2}
